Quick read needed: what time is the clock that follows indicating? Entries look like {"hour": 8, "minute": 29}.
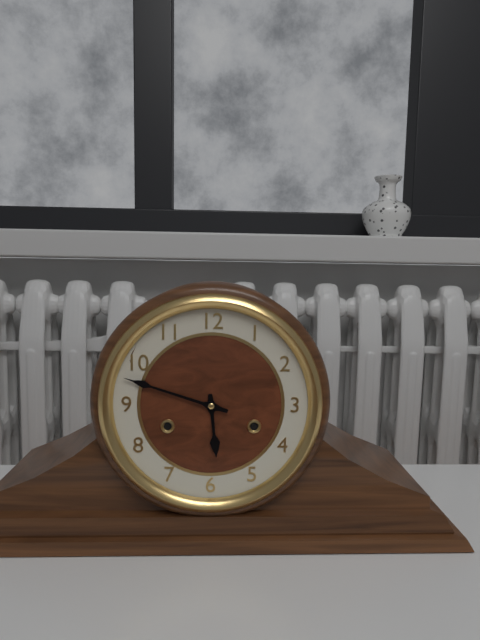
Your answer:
{"hour": 5, "minute": 48}
